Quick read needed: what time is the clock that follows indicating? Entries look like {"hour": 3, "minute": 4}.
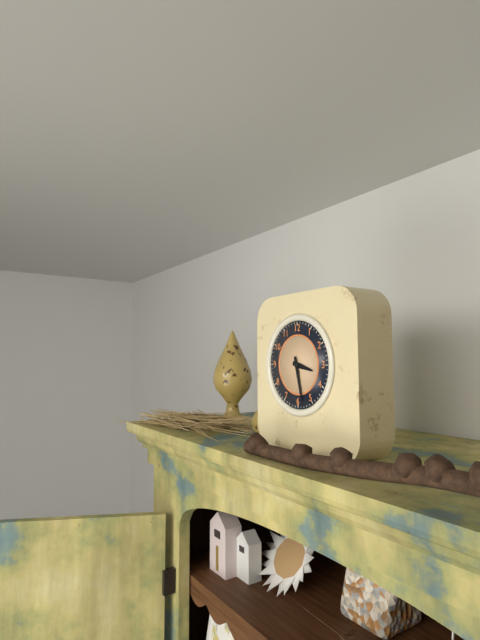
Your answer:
{"hour": 3, "minute": 28}
